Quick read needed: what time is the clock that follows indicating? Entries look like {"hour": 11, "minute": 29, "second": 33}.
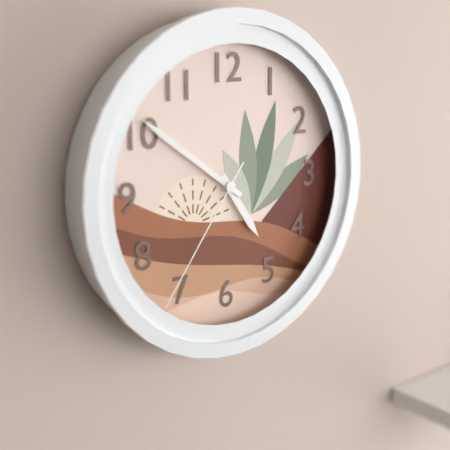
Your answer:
{"hour": 4, "minute": 51, "second": 36}
